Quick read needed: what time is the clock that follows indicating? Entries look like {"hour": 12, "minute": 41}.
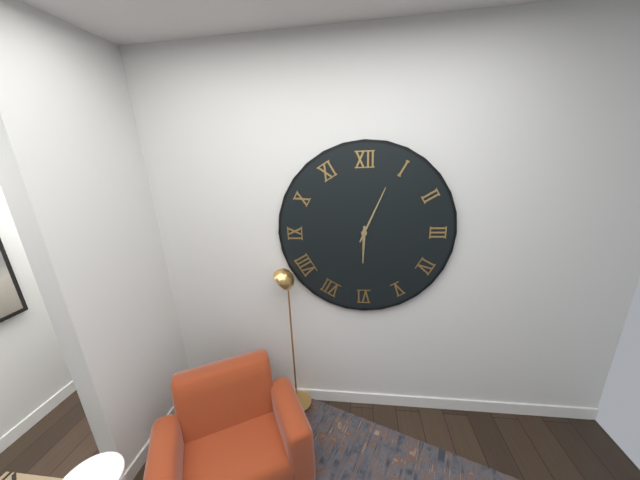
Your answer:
{"hour": 6, "minute": 4}
